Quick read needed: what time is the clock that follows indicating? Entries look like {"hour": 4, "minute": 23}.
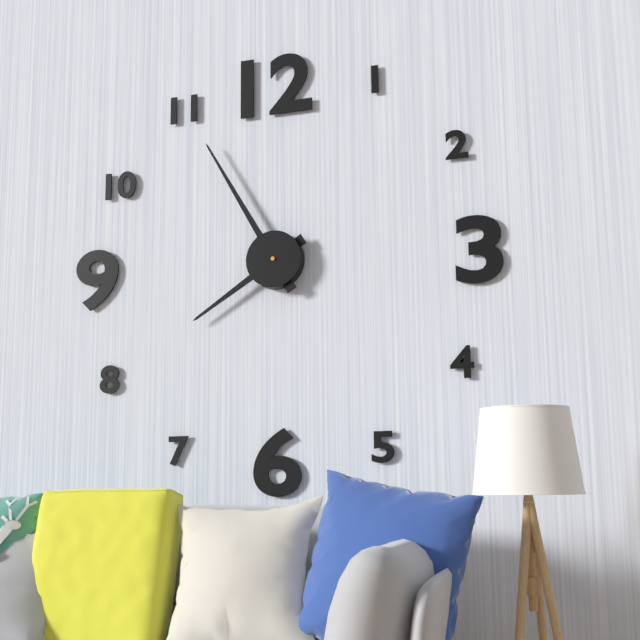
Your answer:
{"hour": 7, "minute": 55}
